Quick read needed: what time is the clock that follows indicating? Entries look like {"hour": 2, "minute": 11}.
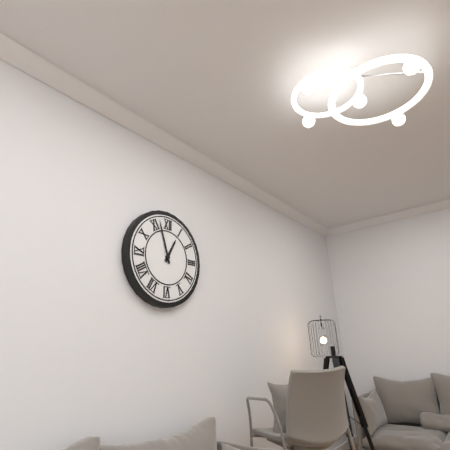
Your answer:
{"hour": 12, "minute": 57}
